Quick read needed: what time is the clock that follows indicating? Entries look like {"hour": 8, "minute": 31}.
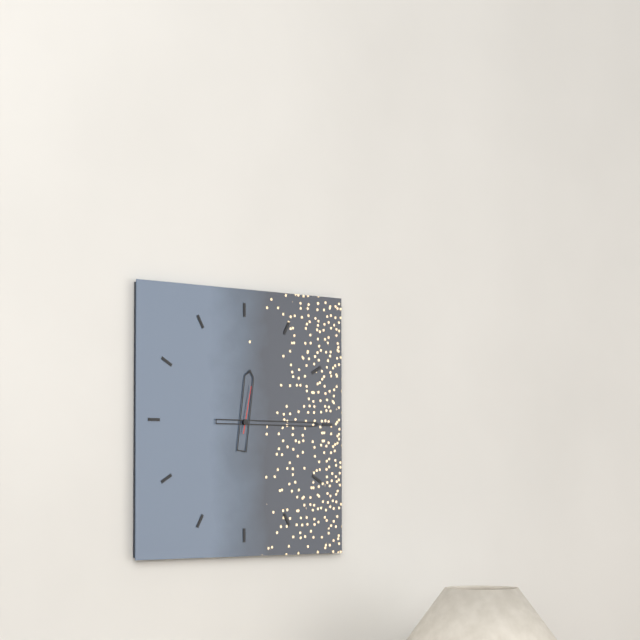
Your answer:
{"hour": 12, "minute": 15}
